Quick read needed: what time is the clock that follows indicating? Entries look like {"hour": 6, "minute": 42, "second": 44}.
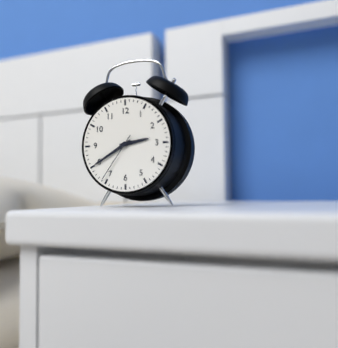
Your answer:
{"hour": 2, "minute": 40, "second": 36}
